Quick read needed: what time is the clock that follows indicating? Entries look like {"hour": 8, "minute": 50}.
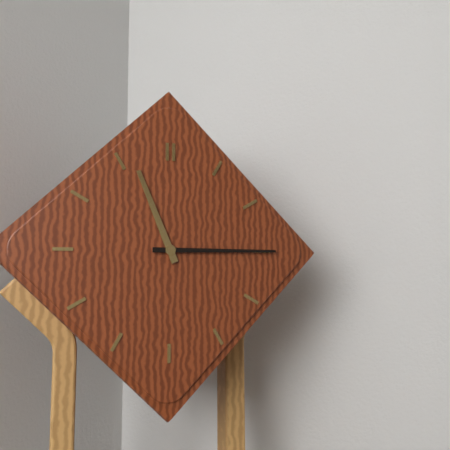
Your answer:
{"hour": 11, "minute": 15}
